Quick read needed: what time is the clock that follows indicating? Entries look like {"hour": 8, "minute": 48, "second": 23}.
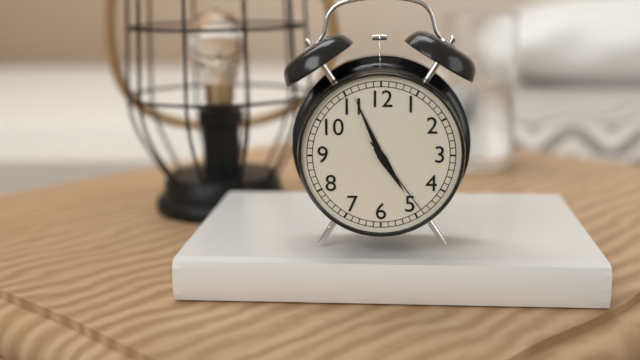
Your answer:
{"hour": 4, "minute": 56, "second": 24}
